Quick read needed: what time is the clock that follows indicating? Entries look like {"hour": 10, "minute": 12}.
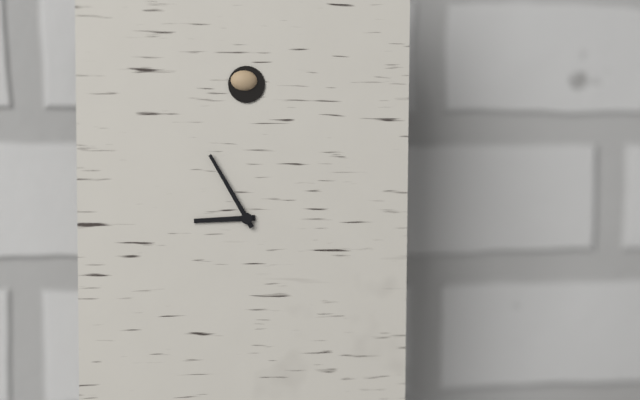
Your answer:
{"hour": 8, "minute": 55}
